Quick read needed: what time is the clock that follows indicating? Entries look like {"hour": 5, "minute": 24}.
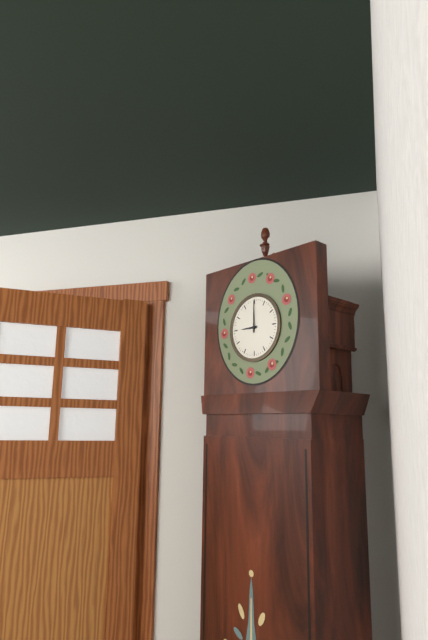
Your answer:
{"hour": 9, "minute": 0}
